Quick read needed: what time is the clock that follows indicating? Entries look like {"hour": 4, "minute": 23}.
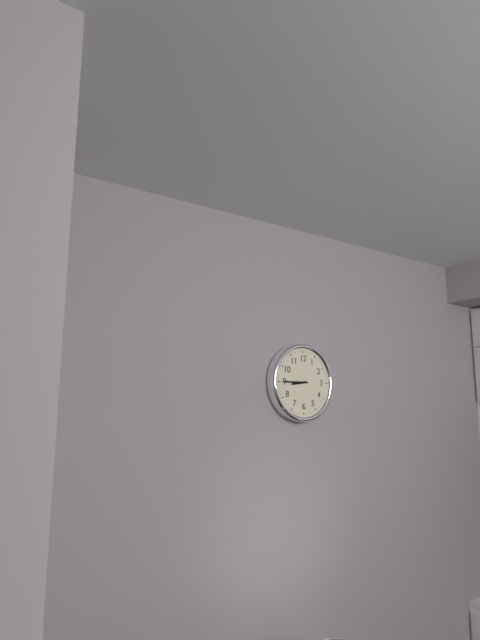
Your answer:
{"hour": 8, "minute": 45}
